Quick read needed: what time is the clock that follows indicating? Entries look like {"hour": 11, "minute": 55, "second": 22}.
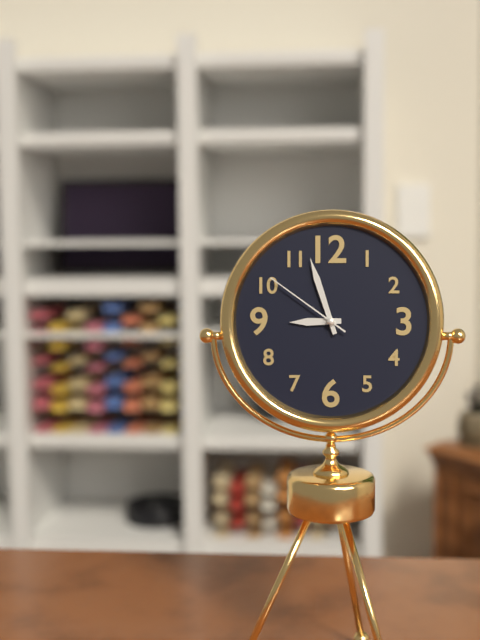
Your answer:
{"hour": 8, "minute": 57, "second": 51}
